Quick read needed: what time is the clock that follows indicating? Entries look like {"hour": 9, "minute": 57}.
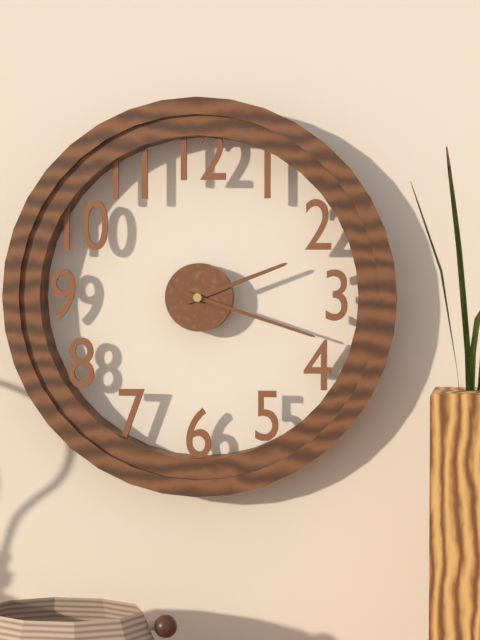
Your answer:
{"hour": 2, "minute": 18}
